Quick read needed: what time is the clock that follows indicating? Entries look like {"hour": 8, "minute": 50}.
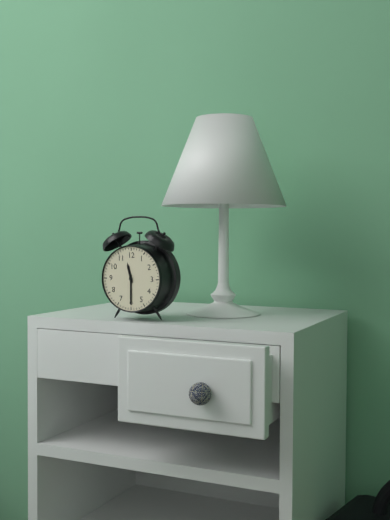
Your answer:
{"hour": 11, "minute": 30}
